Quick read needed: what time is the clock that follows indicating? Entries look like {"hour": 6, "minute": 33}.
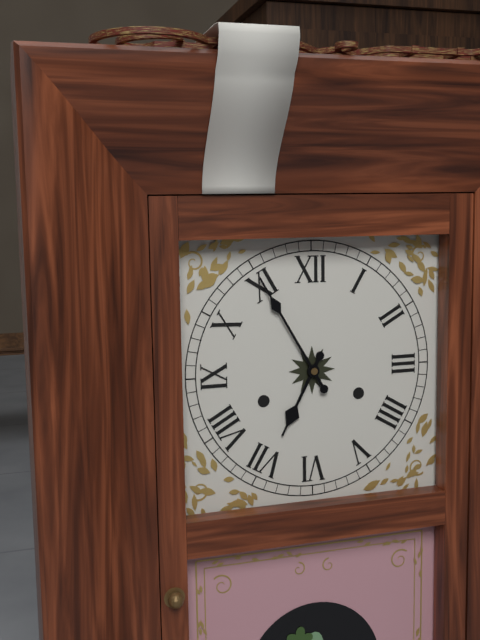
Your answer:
{"hour": 6, "minute": 55}
